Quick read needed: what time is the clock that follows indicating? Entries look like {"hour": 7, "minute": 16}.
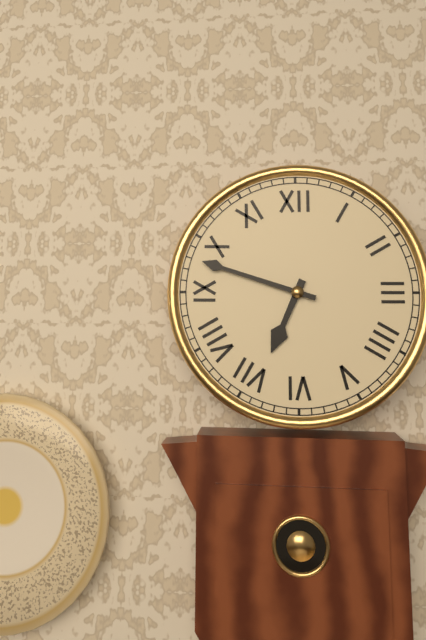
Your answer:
{"hour": 6, "minute": 48}
